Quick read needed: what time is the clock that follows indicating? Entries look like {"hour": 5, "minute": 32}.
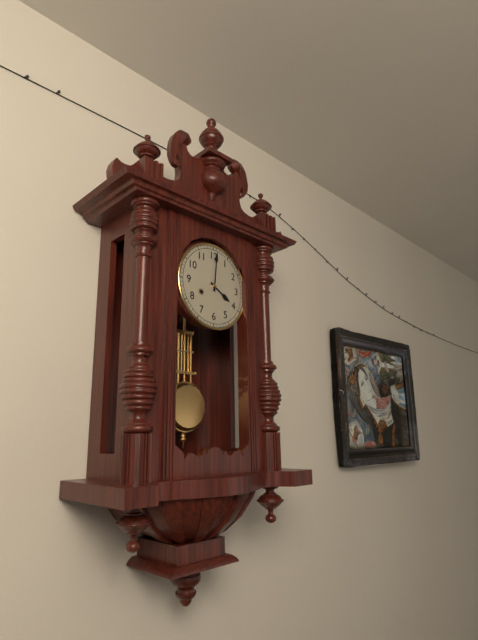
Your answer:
{"hour": 4, "minute": 1}
